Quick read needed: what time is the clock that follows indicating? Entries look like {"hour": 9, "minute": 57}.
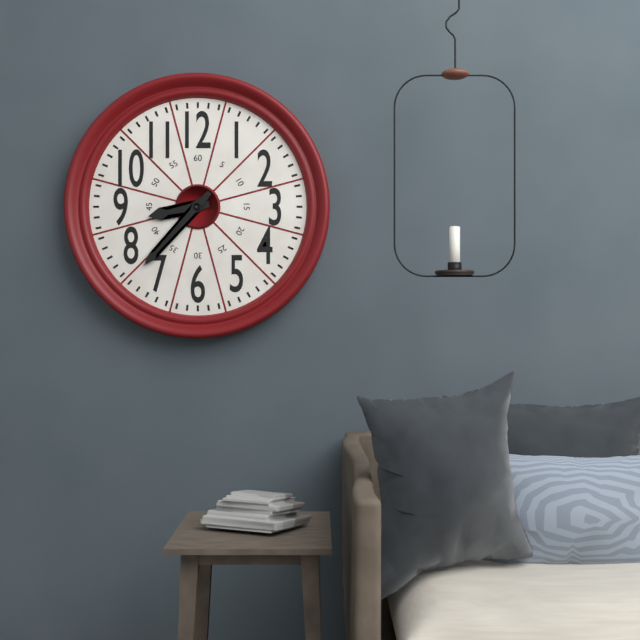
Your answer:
{"hour": 8, "minute": 37}
